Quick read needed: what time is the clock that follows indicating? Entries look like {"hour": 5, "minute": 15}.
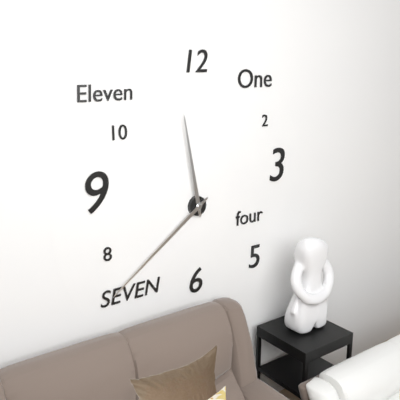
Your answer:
{"hour": 11, "minute": 39}
